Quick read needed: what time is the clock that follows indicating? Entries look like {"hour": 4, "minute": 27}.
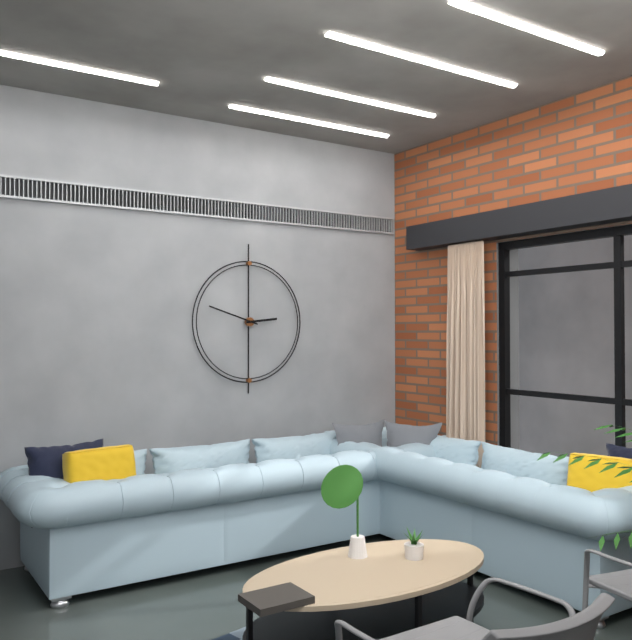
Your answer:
{"hour": 2, "minute": 48}
